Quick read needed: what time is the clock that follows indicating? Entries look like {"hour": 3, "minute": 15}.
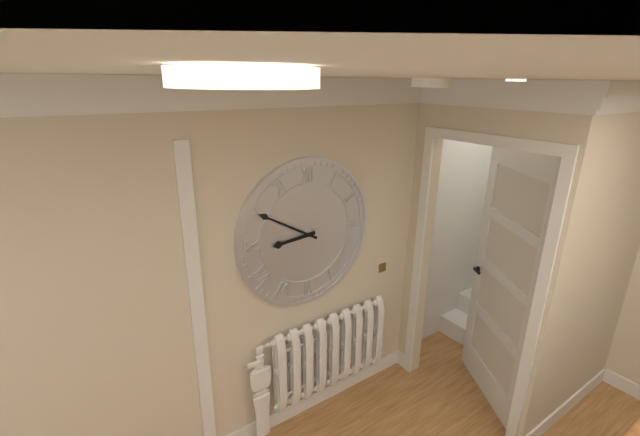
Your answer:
{"hour": 8, "minute": 50}
